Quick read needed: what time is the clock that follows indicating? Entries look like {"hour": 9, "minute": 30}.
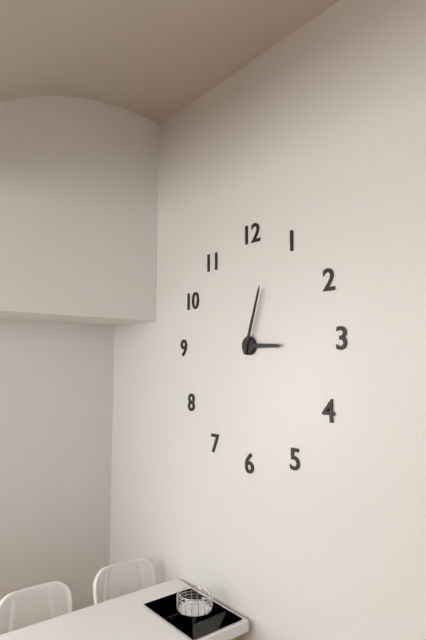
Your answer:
{"hour": 3, "minute": 3}
